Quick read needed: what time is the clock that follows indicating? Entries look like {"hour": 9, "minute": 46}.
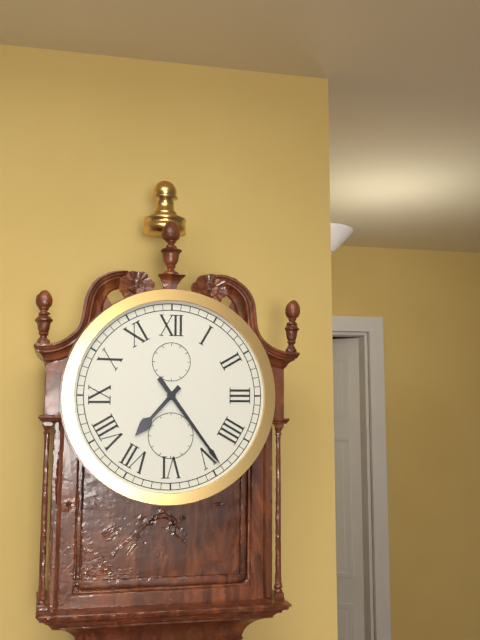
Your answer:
{"hour": 7, "minute": 24}
